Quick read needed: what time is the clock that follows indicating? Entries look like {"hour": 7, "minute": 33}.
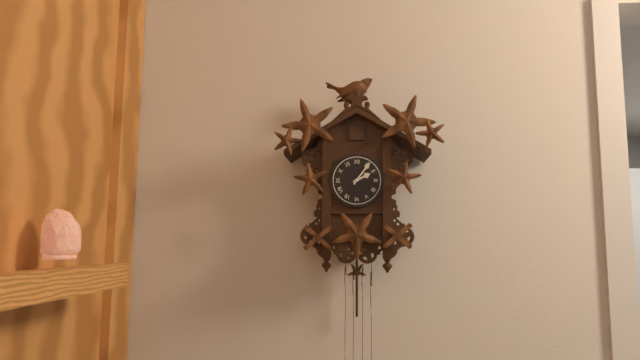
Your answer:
{"hour": 2, "minute": 6}
